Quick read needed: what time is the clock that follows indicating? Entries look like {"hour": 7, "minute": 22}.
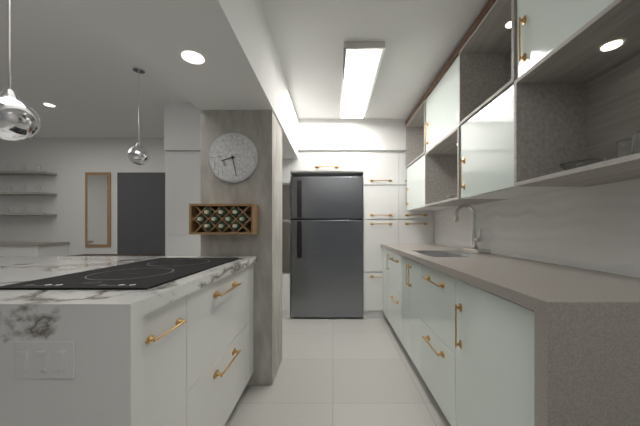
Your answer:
{"hour": 8, "minute": 28}
